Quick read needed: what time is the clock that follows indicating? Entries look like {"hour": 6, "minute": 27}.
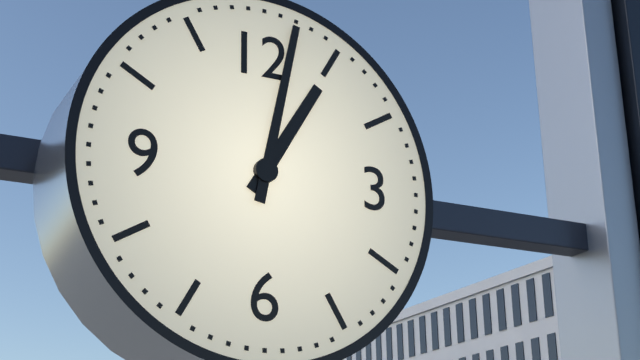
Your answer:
{"hour": 1, "minute": 2}
